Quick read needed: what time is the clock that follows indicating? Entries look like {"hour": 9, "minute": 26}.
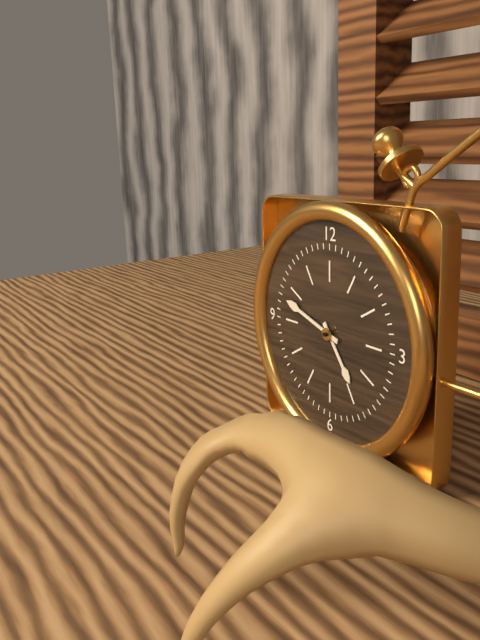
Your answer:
{"hour": 4, "minute": 48}
